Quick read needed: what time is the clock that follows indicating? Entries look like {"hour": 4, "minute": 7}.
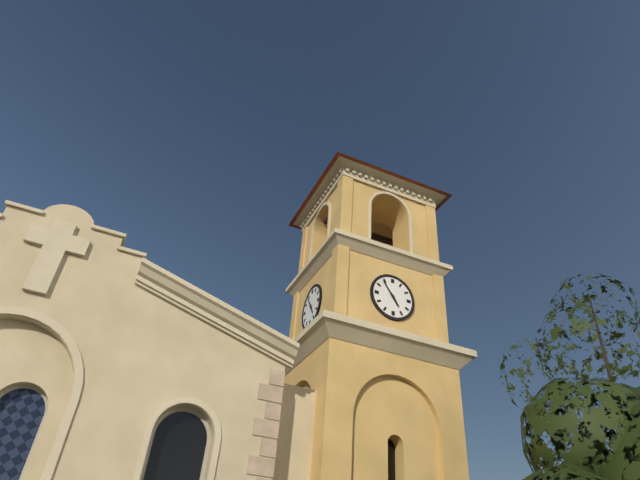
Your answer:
{"hour": 4, "minute": 54}
